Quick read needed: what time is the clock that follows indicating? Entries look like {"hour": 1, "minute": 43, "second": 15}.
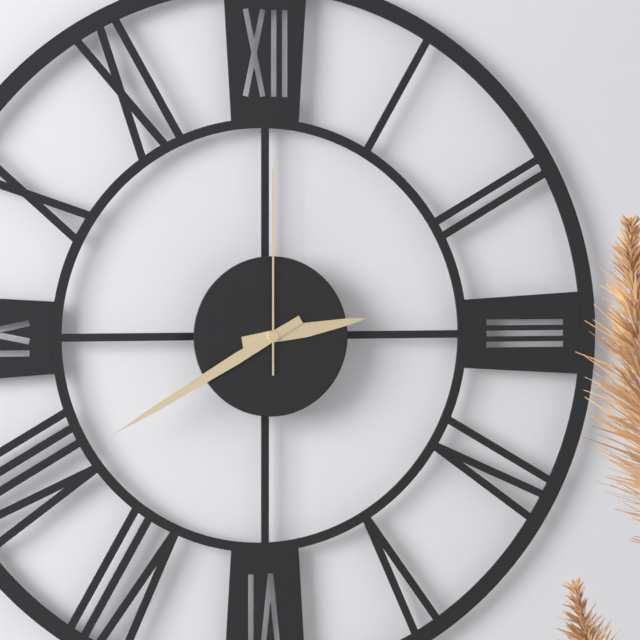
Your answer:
{"hour": 2, "minute": 40, "second": 0}
